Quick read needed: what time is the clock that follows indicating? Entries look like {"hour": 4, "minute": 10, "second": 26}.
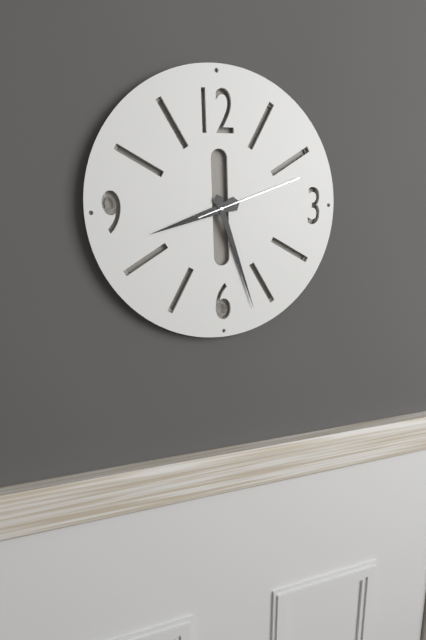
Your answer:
{"hour": 8, "minute": 27, "second": 12}
